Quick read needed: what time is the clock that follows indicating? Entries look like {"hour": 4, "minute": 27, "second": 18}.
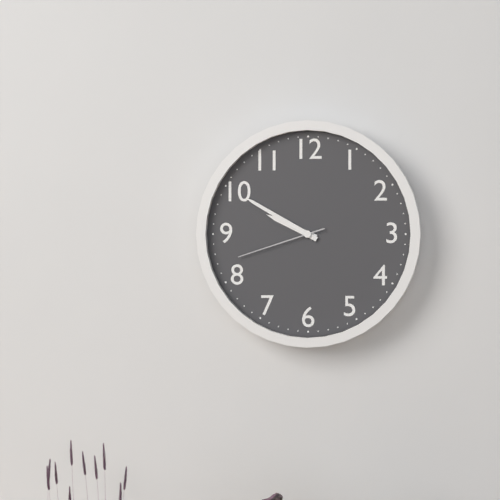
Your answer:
{"hour": 9, "minute": 50, "second": 42}
